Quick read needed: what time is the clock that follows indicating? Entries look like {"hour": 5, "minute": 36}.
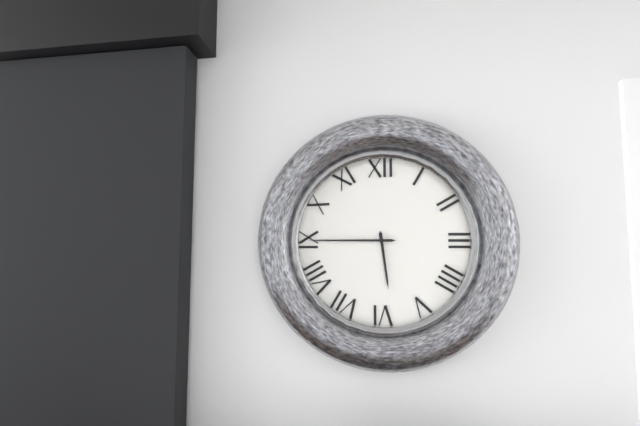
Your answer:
{"hour": 5, "minute": 45}
